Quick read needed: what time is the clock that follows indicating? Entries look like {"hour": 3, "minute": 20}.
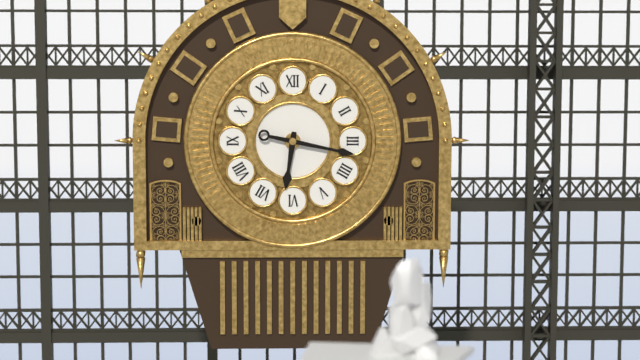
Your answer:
{"hour": 6, "minute": 17}
